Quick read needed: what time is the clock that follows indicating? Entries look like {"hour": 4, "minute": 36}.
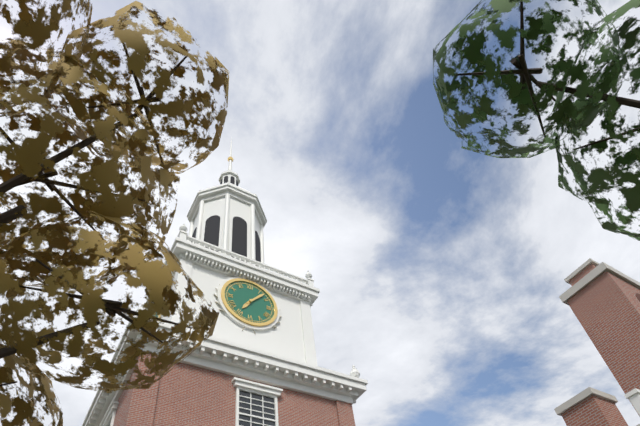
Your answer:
{"hour": 7, "minute": 7}
